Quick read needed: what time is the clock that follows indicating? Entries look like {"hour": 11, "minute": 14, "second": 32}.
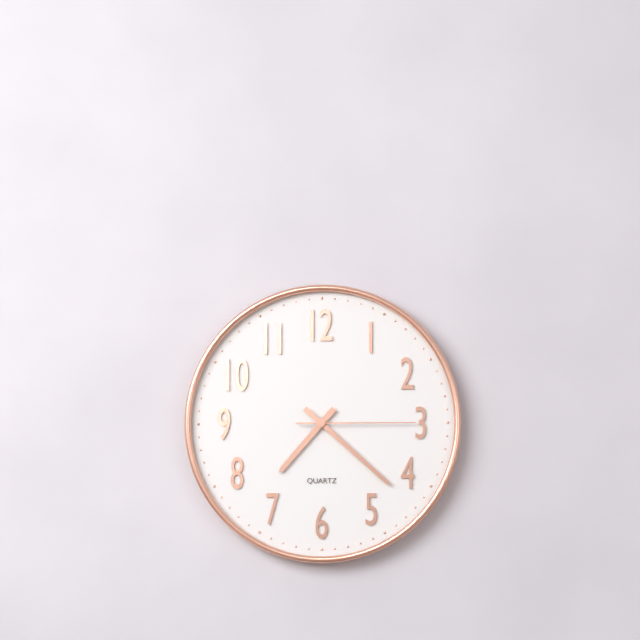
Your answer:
{"hour": 7, "minute": 22, "second": 15}
